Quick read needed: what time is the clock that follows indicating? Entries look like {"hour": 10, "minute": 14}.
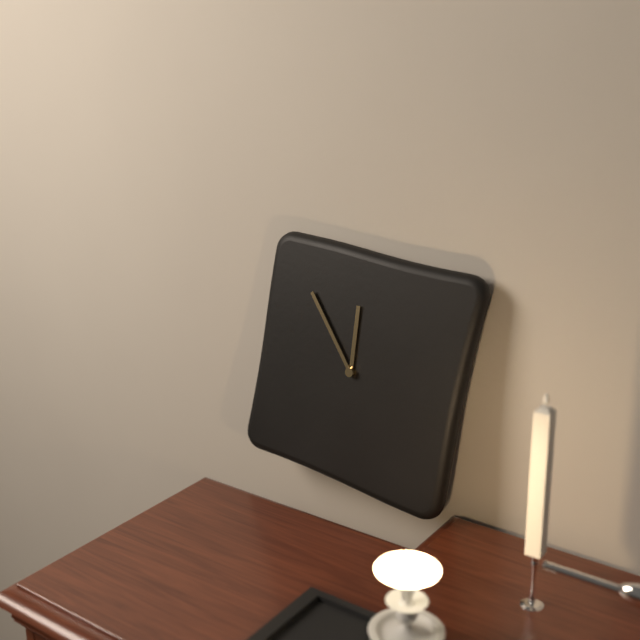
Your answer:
{"hour": 11, "minute": 53}
